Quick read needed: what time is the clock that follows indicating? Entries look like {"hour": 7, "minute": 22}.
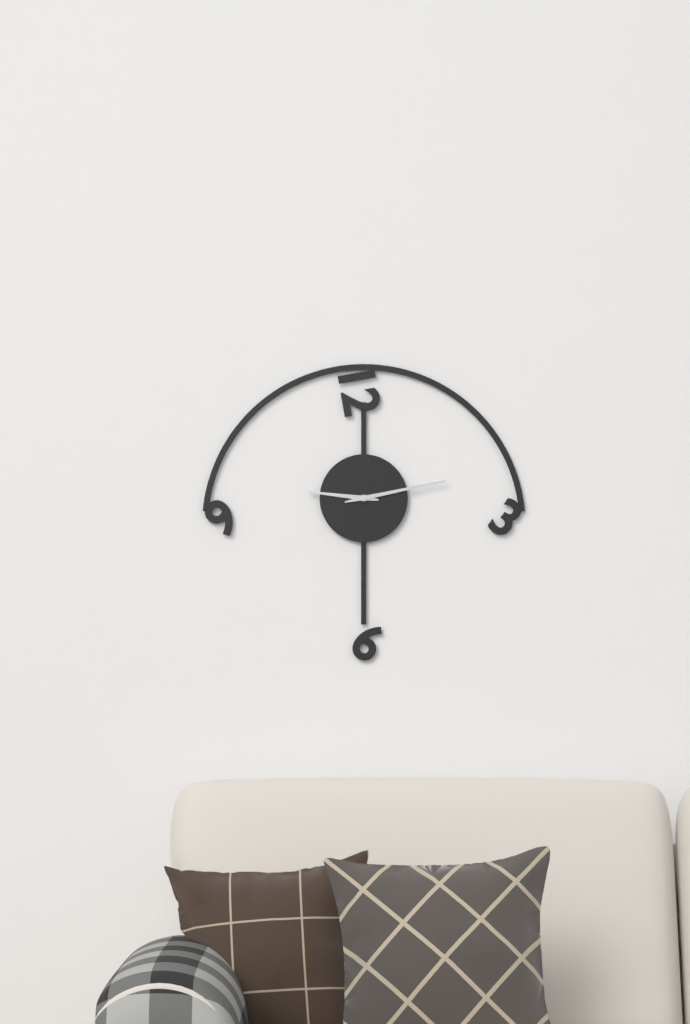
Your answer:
{"hour": 9, "minute": 13}
